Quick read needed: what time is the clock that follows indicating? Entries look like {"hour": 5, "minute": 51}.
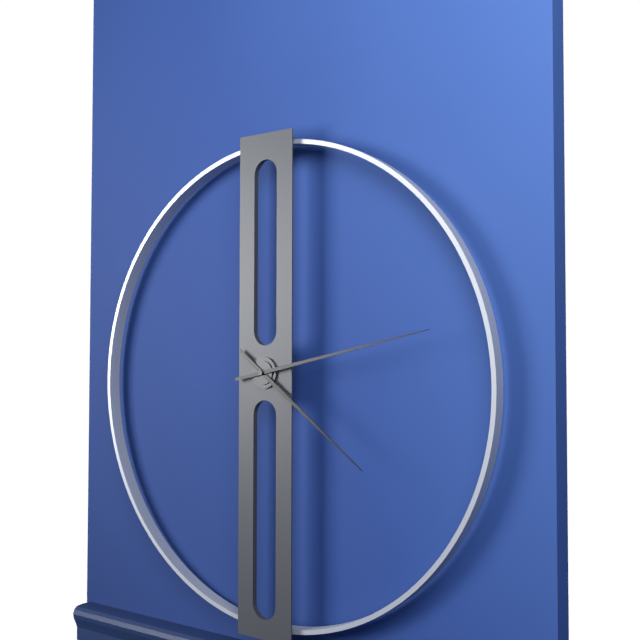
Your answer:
{"hour": 4, "minute": 13}
